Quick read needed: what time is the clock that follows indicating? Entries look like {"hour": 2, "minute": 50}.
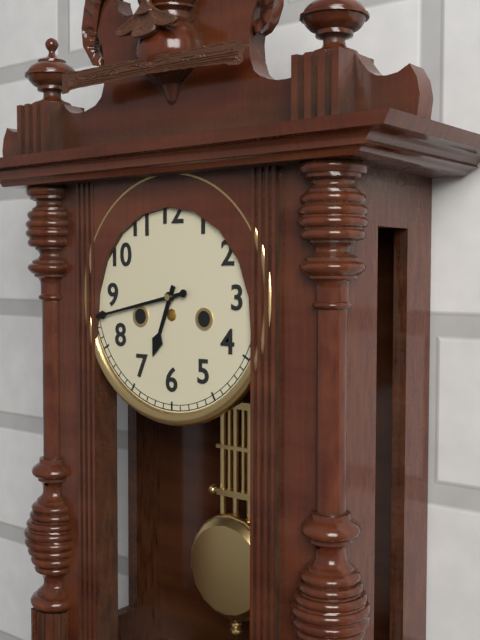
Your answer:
{"hour": 6, "minute": 43}
